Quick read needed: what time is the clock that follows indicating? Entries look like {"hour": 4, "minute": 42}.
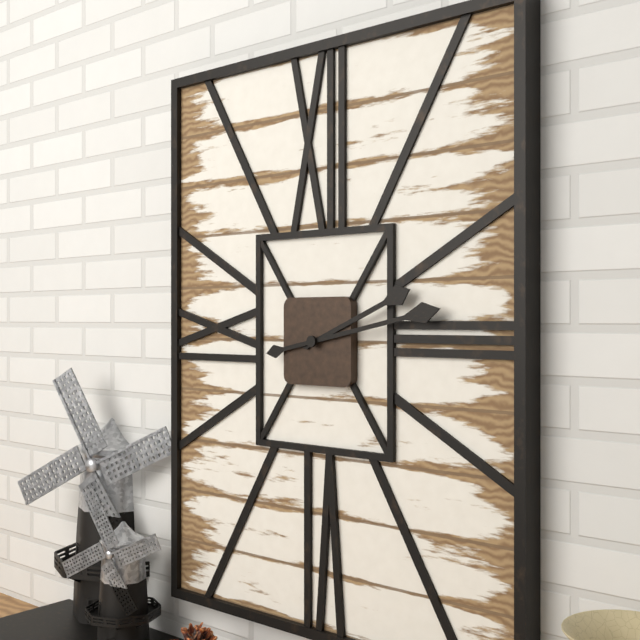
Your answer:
{"hour": 2, "minute": 13}
